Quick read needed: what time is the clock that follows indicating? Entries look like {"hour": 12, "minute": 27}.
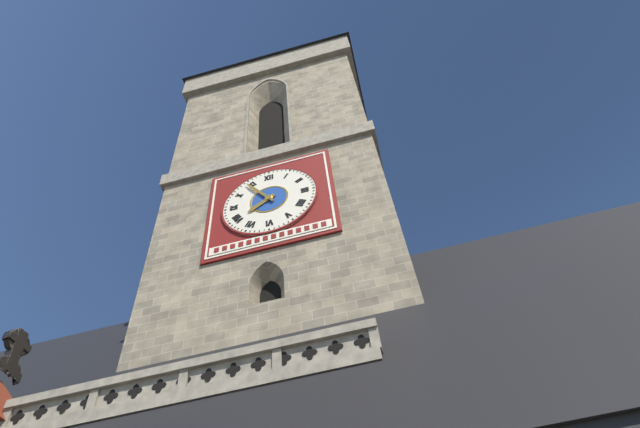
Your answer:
{"hour": 7, "minute": 54}
